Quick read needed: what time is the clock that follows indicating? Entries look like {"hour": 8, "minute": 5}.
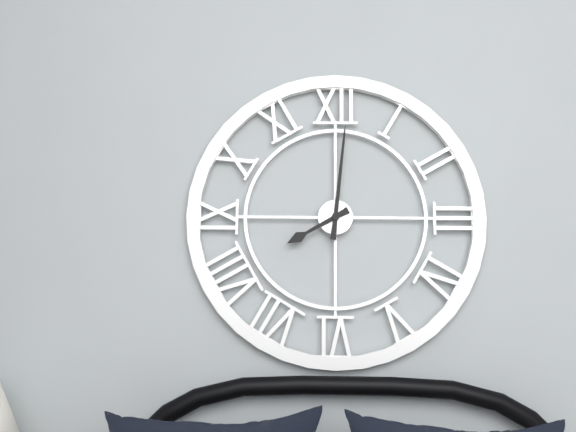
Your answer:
{"hour": 8, "minute": 1}
